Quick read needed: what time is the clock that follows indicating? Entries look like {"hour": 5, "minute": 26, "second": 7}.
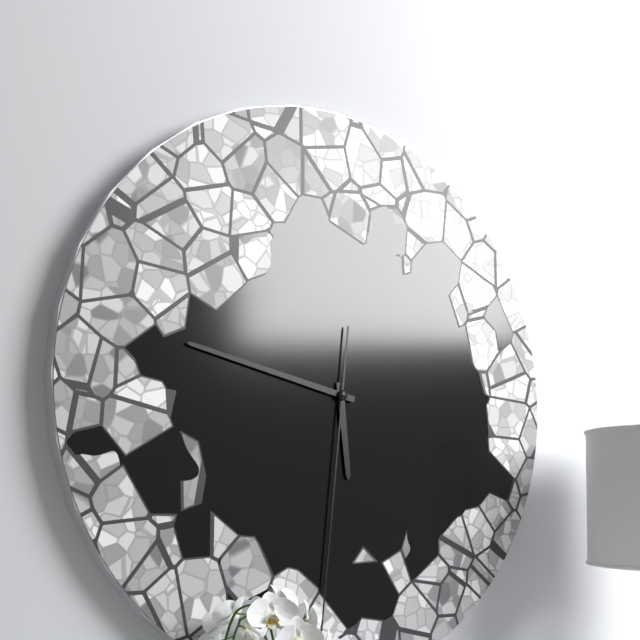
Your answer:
{"hour": 5, "minute": 47, "second": 31}
